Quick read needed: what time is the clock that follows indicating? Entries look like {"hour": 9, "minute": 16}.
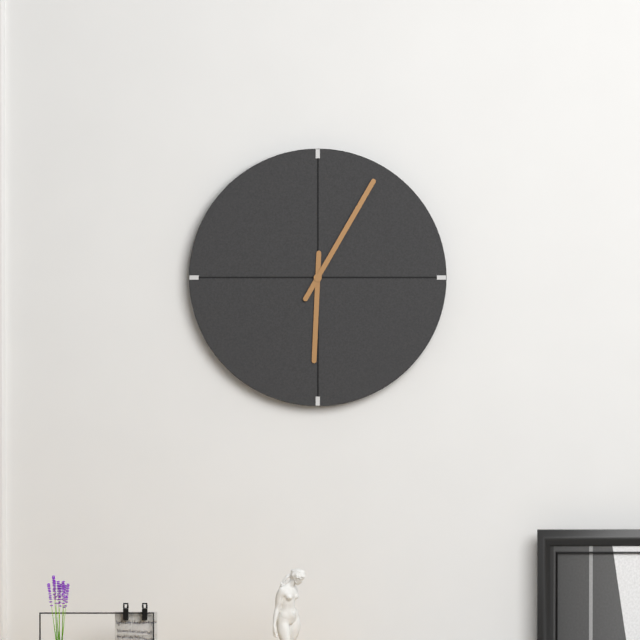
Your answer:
{"hour": 6, "minute": 5}
